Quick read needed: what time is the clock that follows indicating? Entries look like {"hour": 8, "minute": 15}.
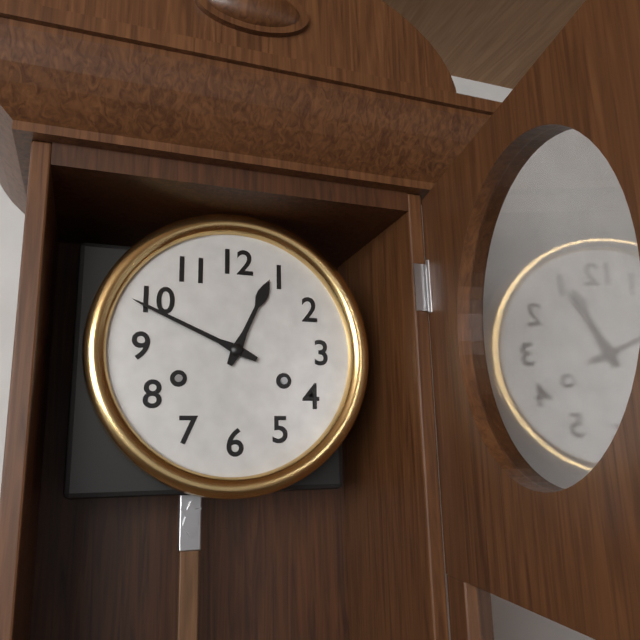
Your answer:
{"hour": 12, "minute": 49}
